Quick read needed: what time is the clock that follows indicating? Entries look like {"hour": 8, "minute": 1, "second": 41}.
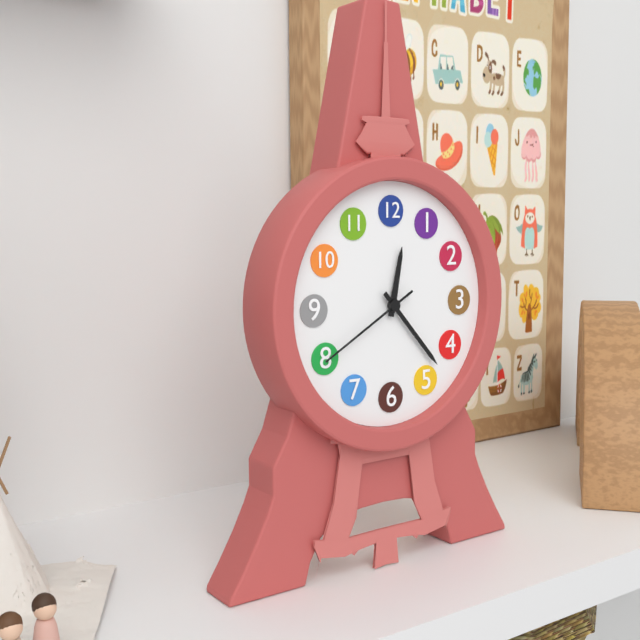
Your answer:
{"hour": 12, "minute": 23, "second": 40}
